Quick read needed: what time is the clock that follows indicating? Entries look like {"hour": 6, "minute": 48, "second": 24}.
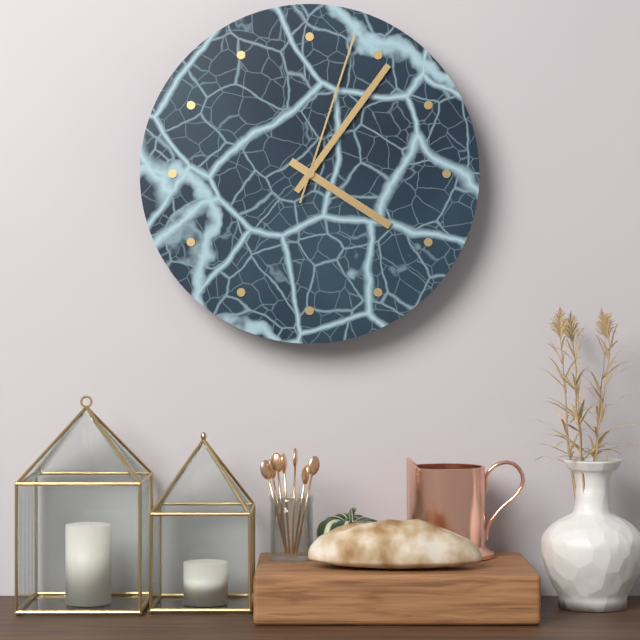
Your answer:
{"hour": 4, "minute": 6, "second": 3}
